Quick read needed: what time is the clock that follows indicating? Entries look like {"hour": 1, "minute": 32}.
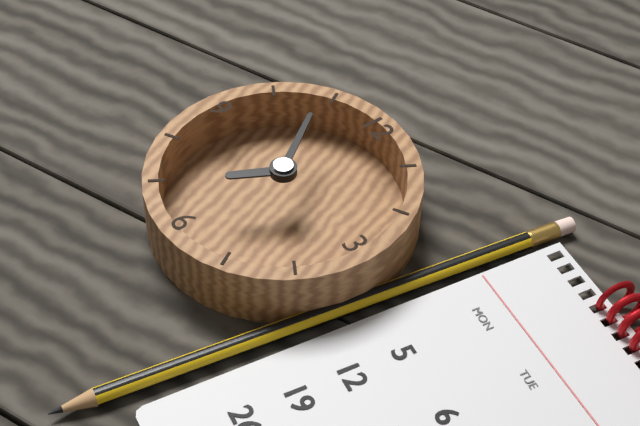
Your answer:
{"hour": 6, "minute": 54}
